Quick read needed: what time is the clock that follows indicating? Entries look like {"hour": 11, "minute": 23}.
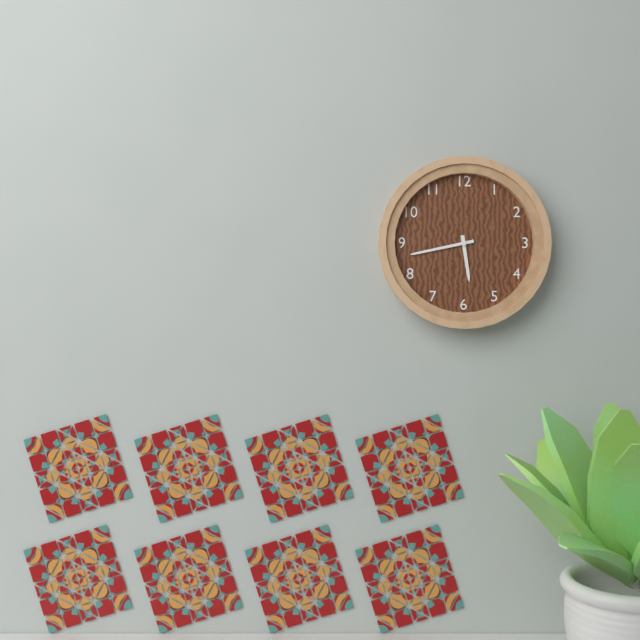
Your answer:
{"hour": 5, "minute": 43}
